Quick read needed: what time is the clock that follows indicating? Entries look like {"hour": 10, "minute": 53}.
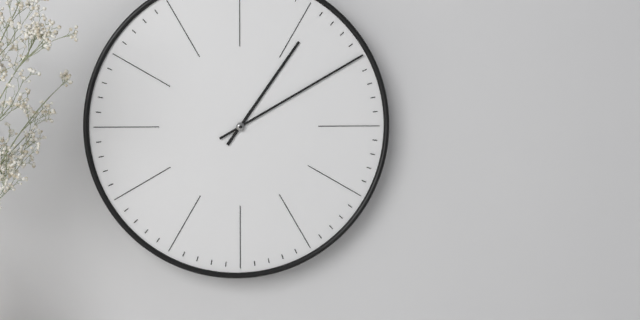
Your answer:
{"hour": 1, "minute": 10}
